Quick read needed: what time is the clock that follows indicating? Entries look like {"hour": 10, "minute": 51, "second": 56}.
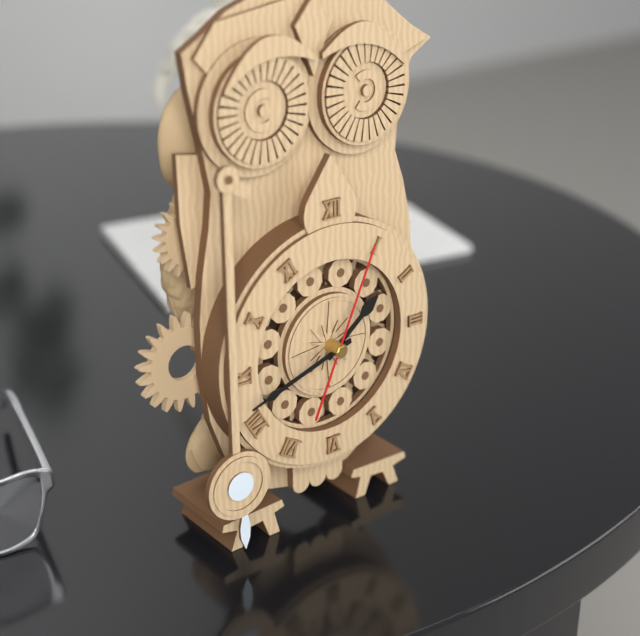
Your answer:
{"hour": 1, "minute": 42, "second": 4}
